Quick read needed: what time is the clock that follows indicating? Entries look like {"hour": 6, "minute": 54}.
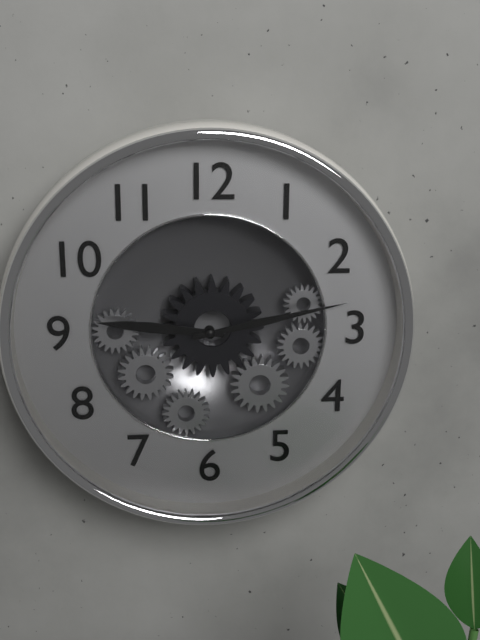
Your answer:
{"hour": 9, "minute": 13}
